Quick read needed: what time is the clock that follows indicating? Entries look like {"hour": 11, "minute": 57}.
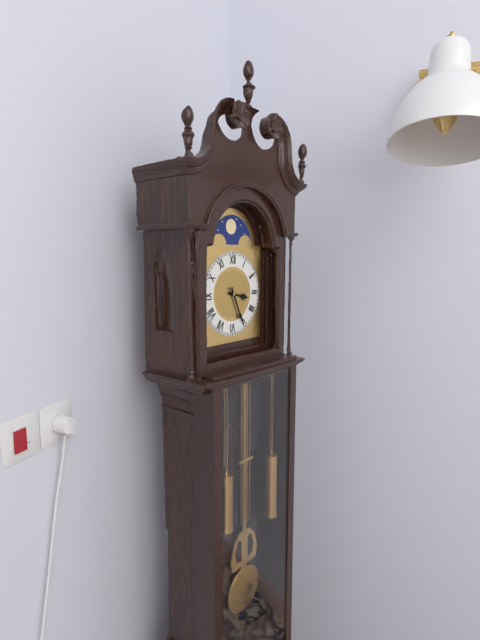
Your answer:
{"hour": 3, "minute": 26}
